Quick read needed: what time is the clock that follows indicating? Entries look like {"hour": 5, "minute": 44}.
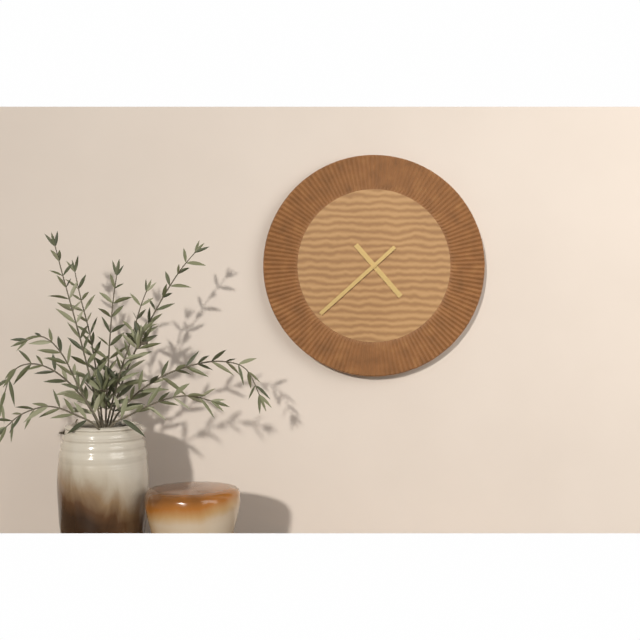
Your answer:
{"hour": 4, "minute": 38}
